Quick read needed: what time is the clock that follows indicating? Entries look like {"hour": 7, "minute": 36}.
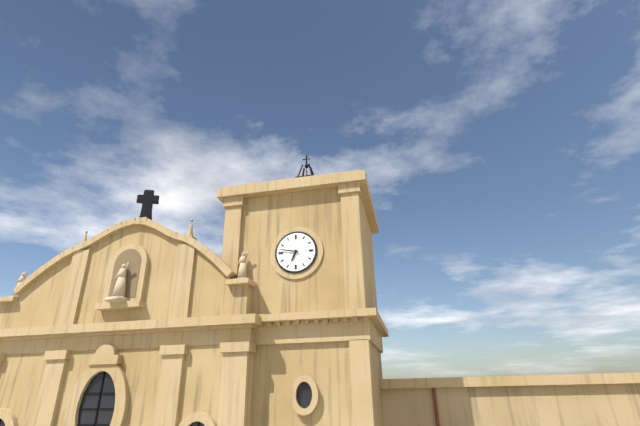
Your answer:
{"hour": 6, "minute": 47}
